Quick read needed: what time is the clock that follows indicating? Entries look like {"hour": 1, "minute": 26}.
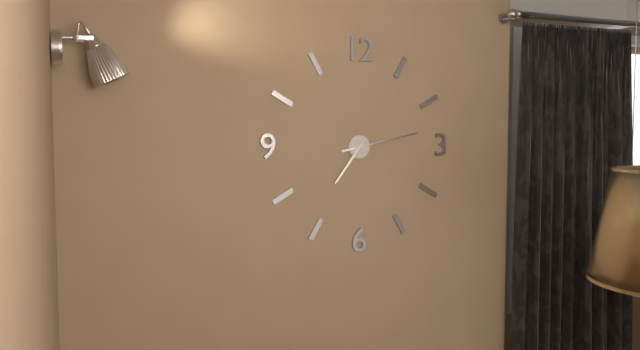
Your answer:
{"hour": 7, "minute": 13}
